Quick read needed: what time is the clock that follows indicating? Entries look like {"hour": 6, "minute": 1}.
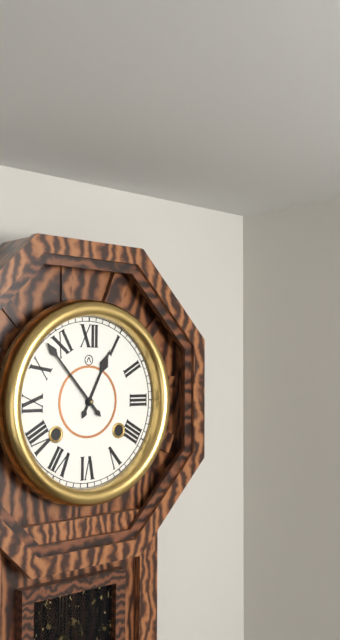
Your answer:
{"hour": 12, "minute": 53}
